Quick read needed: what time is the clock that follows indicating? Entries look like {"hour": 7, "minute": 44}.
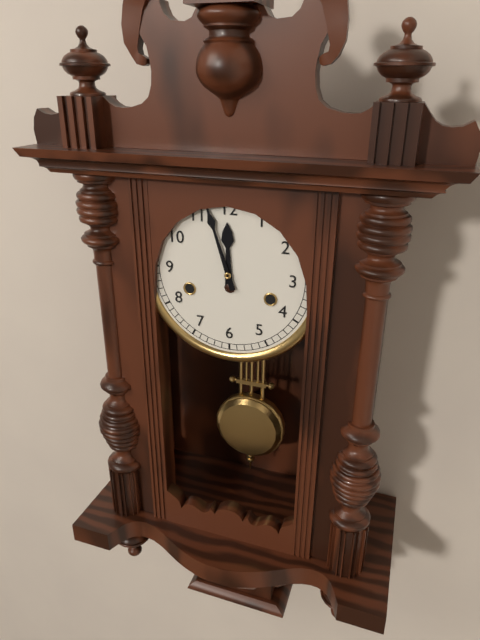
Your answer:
{"hour": 11, "minute": 57}
